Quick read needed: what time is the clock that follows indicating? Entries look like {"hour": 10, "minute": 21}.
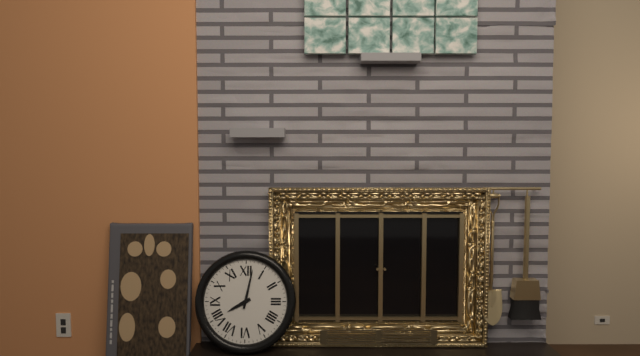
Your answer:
{"hour": 8, "minute": 2}
